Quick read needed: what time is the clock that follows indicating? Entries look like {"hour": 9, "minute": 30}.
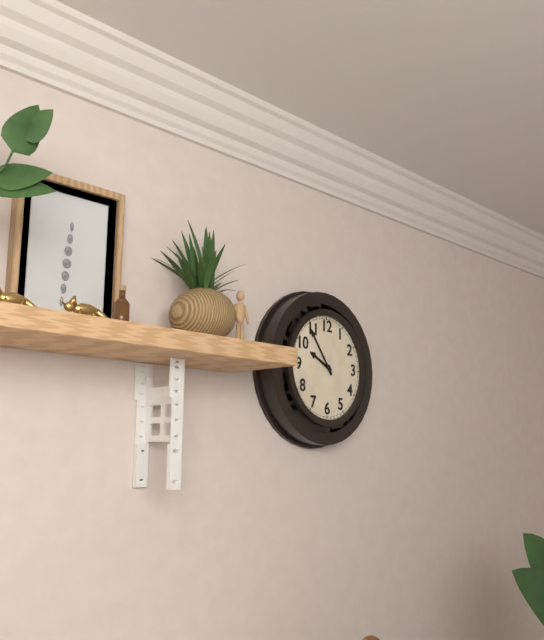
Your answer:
{"hour": 9, "minute": 54}
